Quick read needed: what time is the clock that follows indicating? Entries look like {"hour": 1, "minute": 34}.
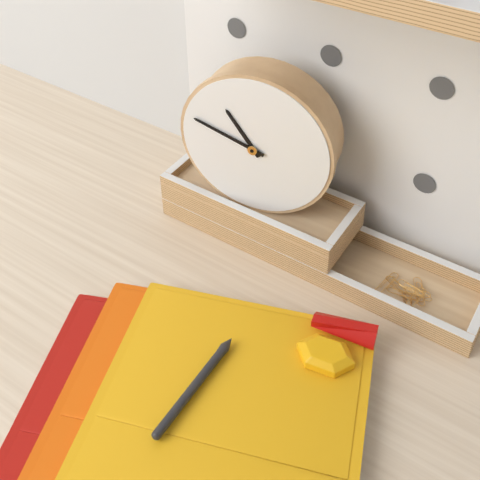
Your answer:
{"hour": 10, "minute": 48}
